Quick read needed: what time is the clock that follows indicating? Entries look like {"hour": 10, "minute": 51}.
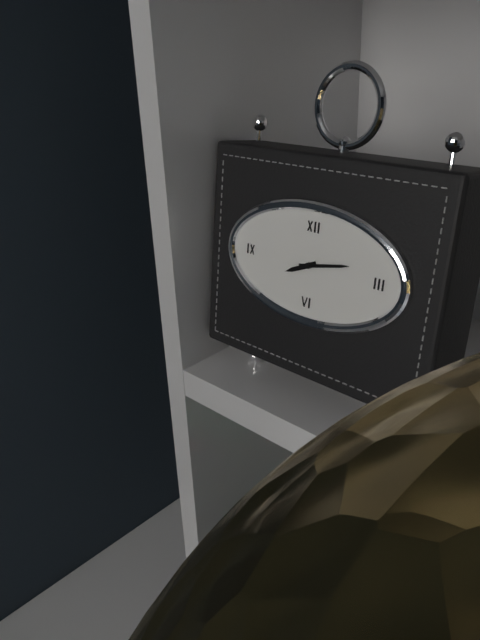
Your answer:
{"hour": 8, "minute": 13}
